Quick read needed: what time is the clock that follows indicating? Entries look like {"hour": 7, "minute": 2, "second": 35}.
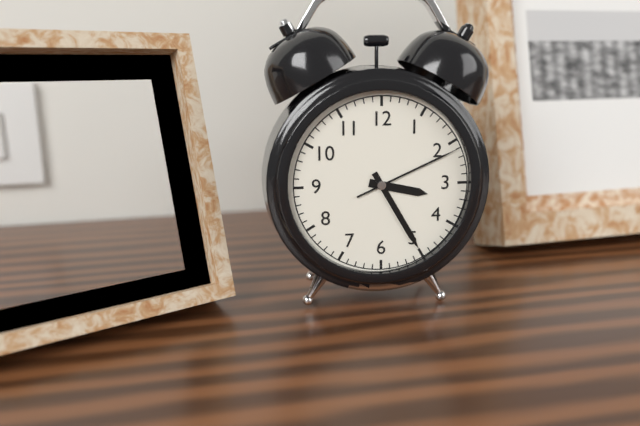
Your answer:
{"hour": 3, "minute": 25, "second": 11}
